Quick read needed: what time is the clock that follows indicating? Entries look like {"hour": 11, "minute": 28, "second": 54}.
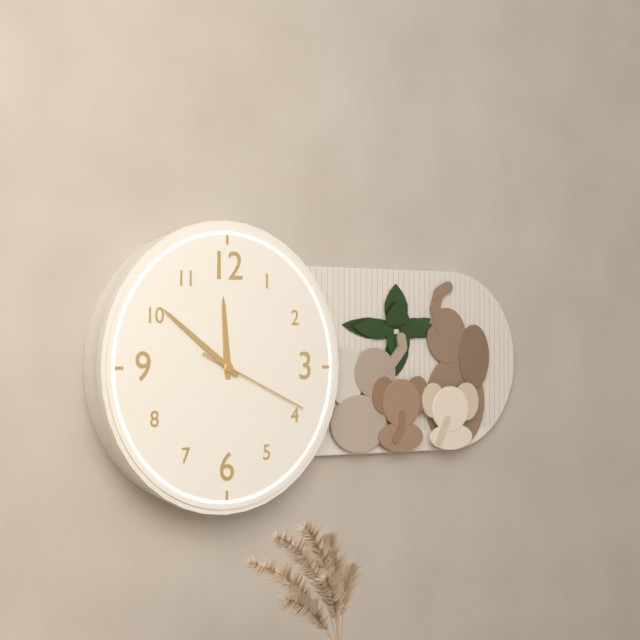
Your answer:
{"hour": 11, "minute": 51, "second": 19}
